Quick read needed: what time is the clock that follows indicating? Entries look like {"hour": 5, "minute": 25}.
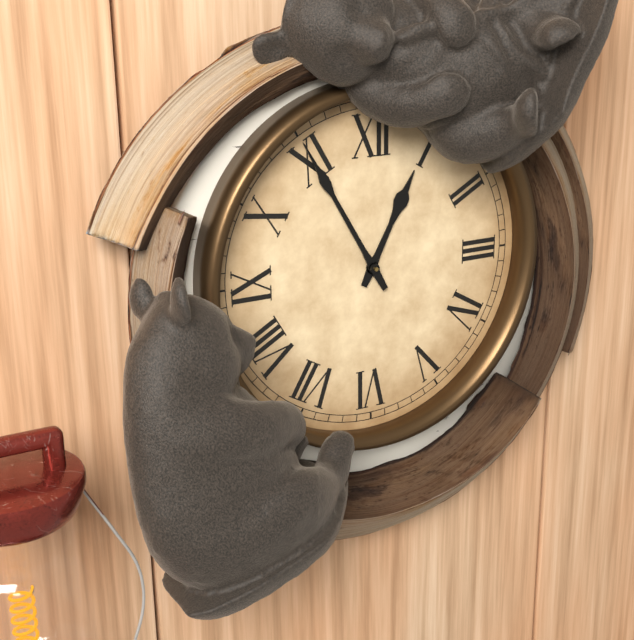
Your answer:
{"hour": 12, "minute": 55}
